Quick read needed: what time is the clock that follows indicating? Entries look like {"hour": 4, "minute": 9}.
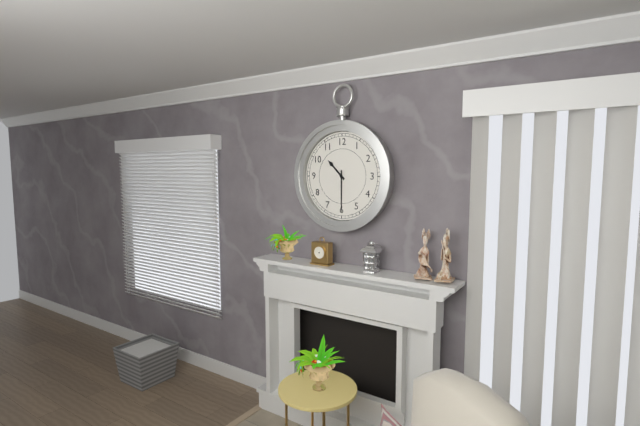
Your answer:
{"hour": 10, "minute": 30}
